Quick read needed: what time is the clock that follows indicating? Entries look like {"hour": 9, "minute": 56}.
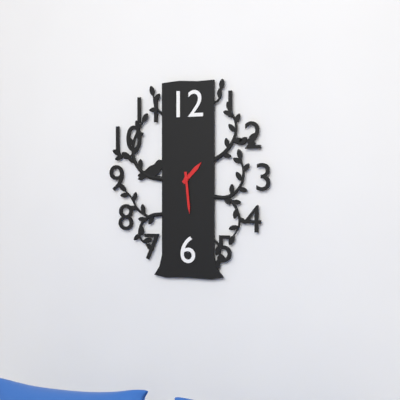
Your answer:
{"hour": 1, "minute": 29}
